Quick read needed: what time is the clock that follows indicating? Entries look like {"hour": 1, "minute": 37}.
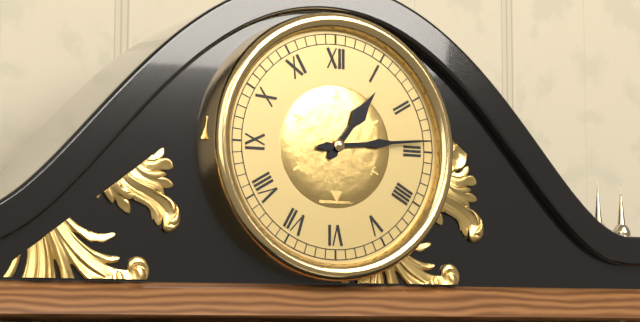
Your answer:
{"hour": 1, "minute": 14}
